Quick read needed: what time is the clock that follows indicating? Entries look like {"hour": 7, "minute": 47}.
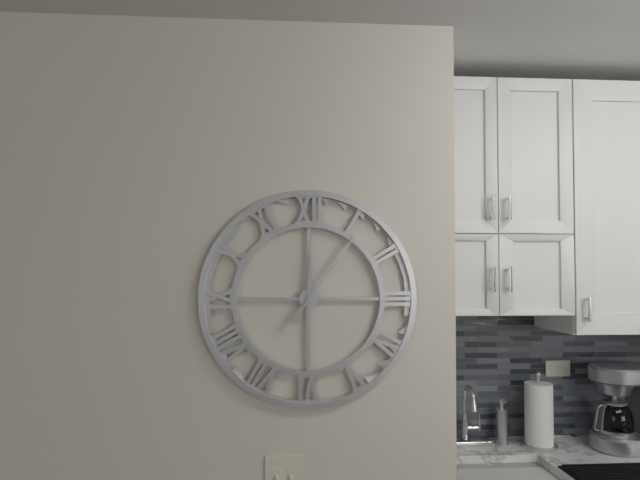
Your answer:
{"hour": 12, "minute": 6}
